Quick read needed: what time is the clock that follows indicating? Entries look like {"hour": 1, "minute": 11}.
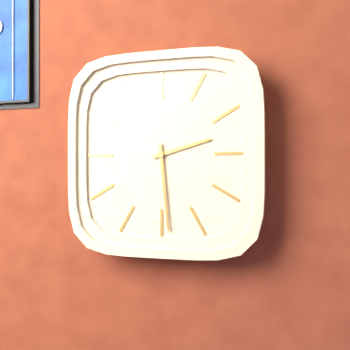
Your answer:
{"hour": 2, "minute": 29}
